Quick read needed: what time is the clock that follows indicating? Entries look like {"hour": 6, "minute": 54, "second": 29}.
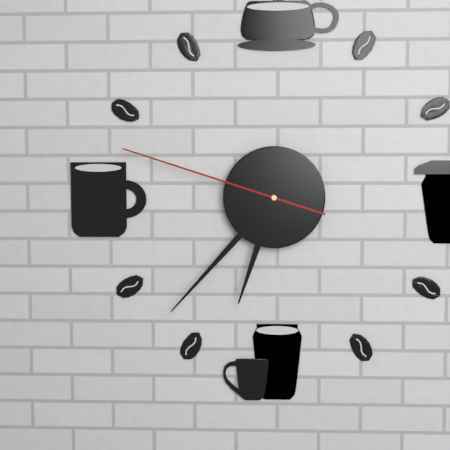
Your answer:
{"hour": 6, "minute": 37, "second": 48}
